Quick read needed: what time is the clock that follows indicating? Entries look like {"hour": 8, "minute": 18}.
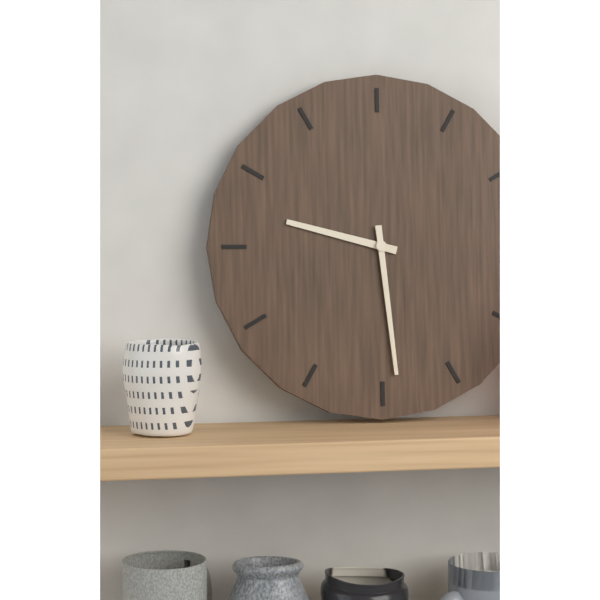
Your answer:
{"hour": 9, "minute": 29}
